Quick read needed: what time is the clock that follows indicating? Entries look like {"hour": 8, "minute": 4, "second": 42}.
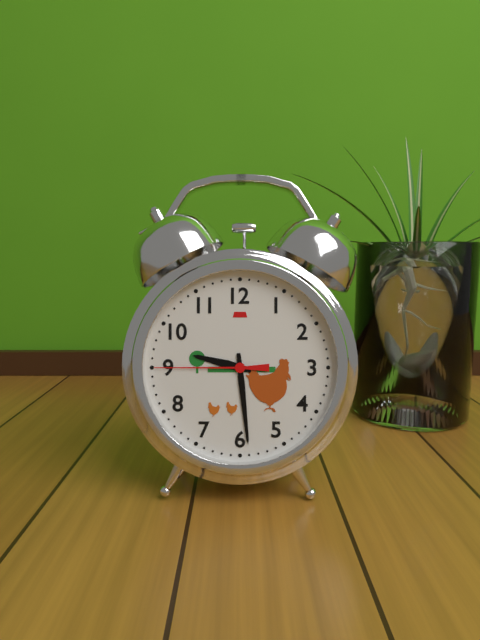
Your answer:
{"hour": 9, "minute": 29, "second": 45}
